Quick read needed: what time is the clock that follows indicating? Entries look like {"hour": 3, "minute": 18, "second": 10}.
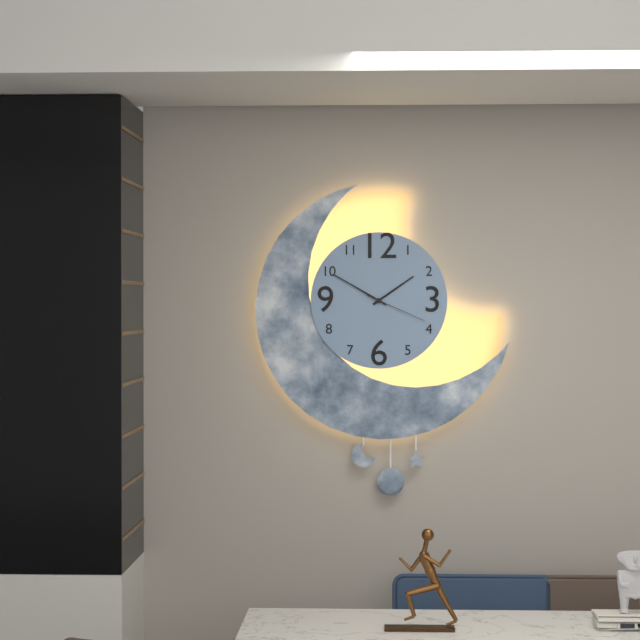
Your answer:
{"hour": 1, "minute": 50, "second": 19}
